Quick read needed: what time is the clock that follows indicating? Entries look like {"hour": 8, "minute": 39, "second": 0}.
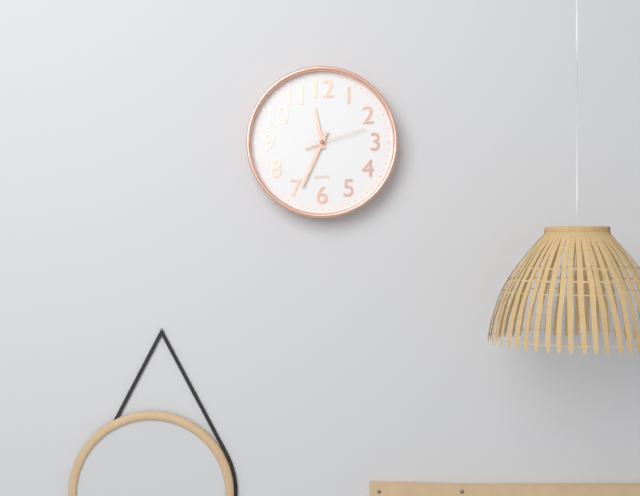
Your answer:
{"hour": 11, "minute": 34, "second": 12}
